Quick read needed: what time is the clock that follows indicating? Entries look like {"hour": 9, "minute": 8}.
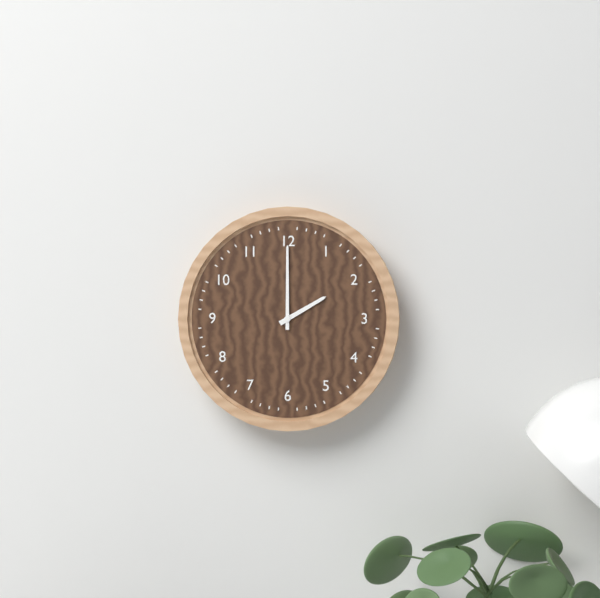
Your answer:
{"hour": 2, "minute": 0}
